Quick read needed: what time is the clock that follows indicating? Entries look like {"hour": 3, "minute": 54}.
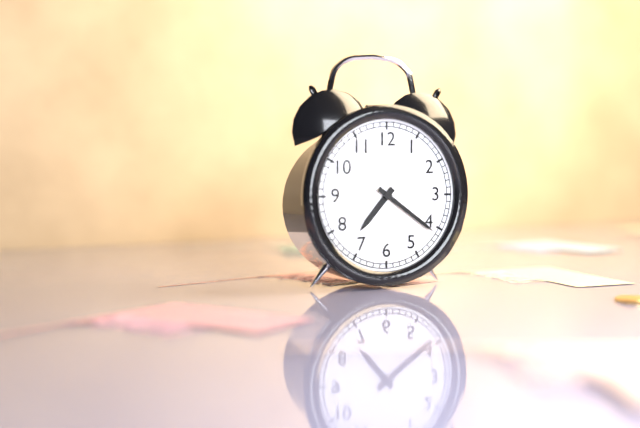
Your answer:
{"hour": 7, "minute": 21}
